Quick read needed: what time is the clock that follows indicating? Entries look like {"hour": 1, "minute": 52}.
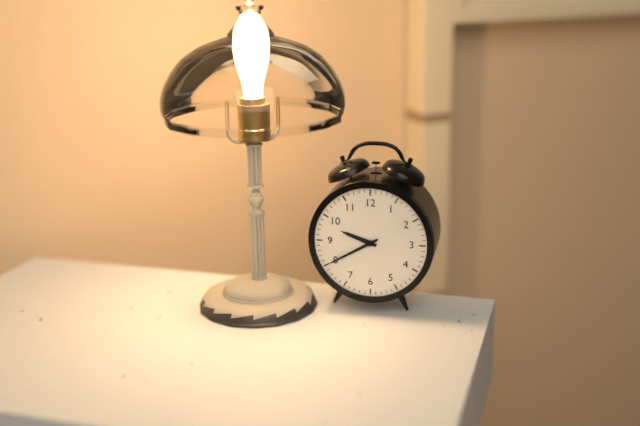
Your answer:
{"hour": 9, "minute": 40}
